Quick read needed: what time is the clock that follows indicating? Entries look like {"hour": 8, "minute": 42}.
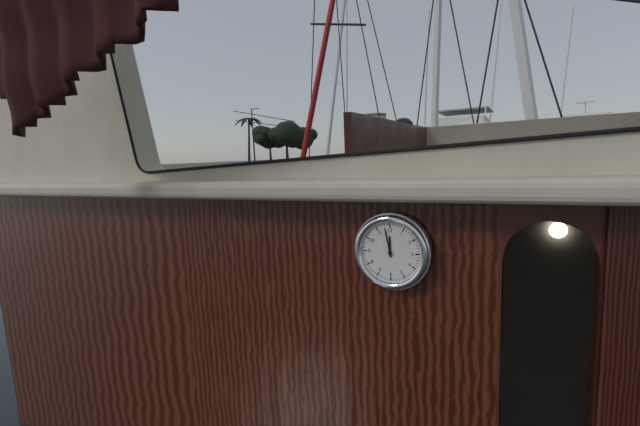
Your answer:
{"hour": 11, "minute": 58}
